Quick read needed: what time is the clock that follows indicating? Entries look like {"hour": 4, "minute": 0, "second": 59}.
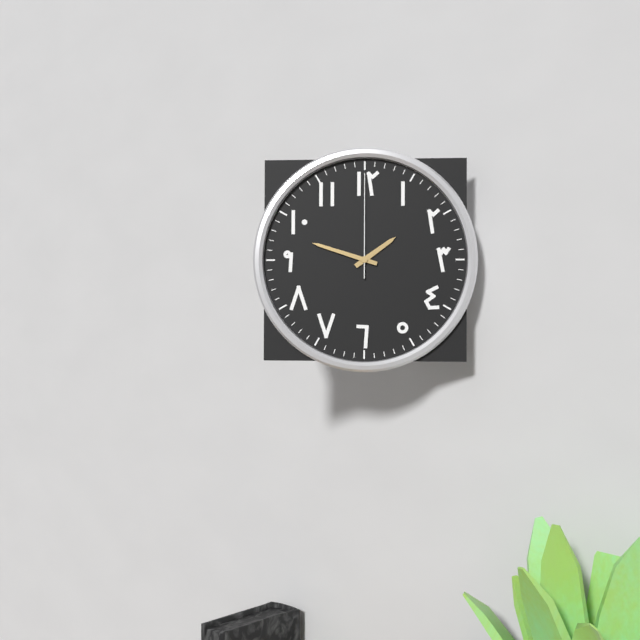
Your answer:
{"hour": 1, "minute": 48, "second": 0}
